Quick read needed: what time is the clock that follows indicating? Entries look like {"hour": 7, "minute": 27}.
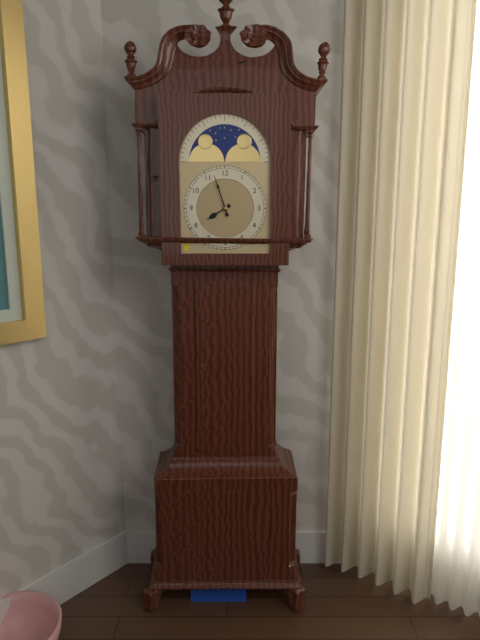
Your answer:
{"hour": 7, "minute": 57}
